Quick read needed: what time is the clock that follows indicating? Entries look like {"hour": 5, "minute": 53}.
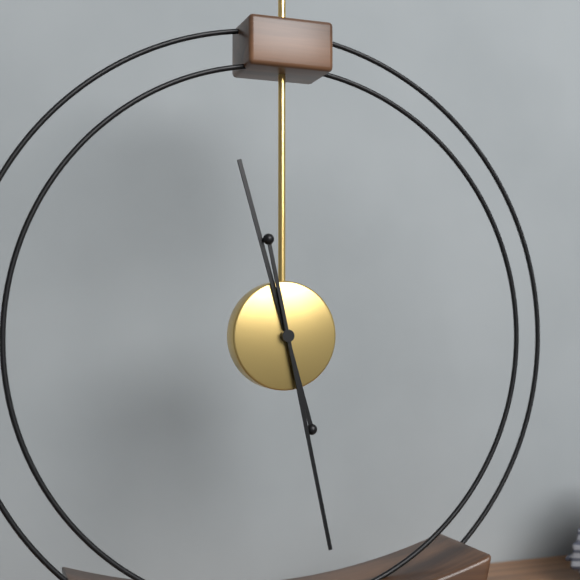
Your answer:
{"hour": 11, "minute": 28}
